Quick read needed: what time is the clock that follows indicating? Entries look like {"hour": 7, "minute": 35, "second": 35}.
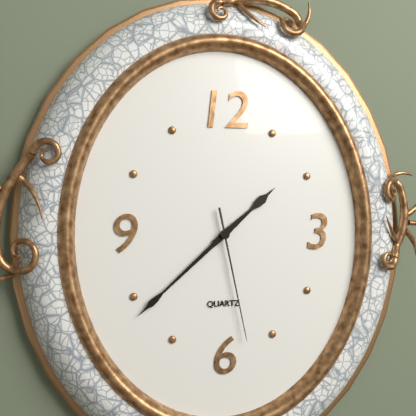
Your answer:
{"hour": 1, "minute": 38, "second": 28}
